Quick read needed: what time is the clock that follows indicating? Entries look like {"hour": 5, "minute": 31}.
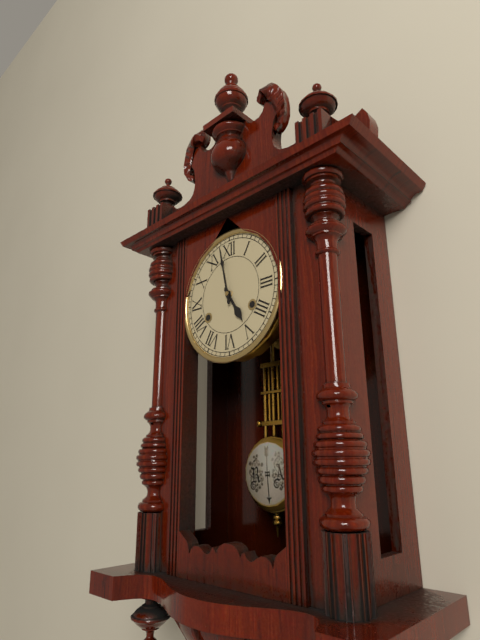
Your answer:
{"hour": 4, "minute": 58}
